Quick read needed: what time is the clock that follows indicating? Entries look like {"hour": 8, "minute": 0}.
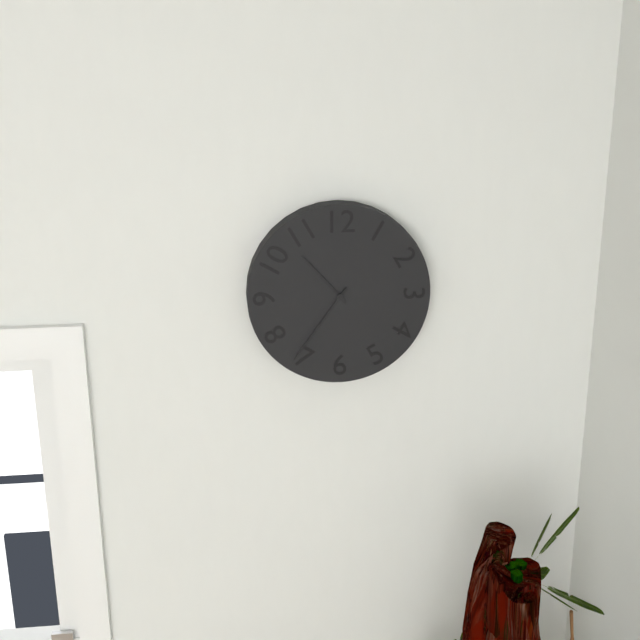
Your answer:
{"hour": 10, "minute": 36}
